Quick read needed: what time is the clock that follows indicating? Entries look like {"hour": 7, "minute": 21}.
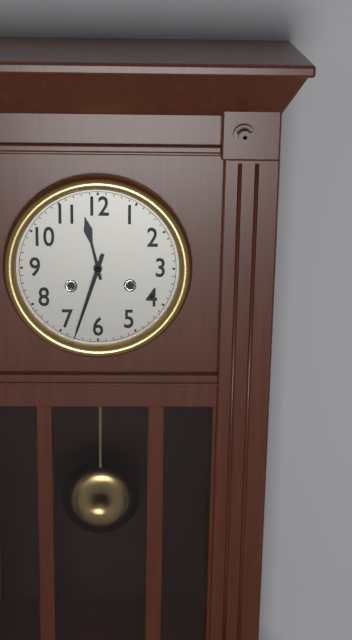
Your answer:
{"hour": 11, "minute": 33}
